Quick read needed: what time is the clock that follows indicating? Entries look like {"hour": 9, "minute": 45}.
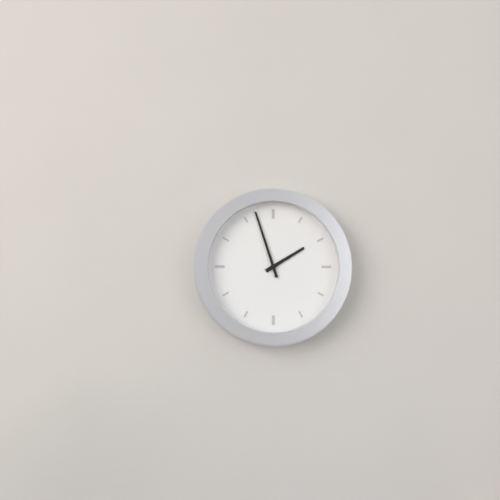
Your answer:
{"hour": 1, "minute": 57}
